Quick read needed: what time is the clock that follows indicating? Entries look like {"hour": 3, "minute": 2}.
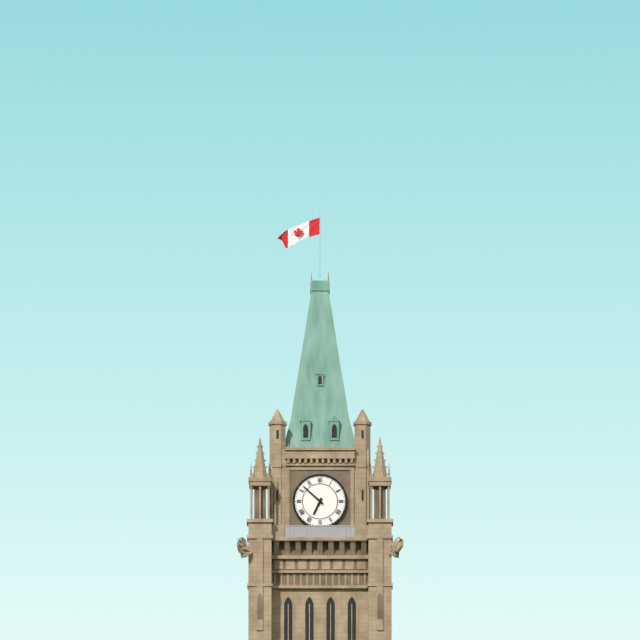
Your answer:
{"hour": 6, "minute": 52}
